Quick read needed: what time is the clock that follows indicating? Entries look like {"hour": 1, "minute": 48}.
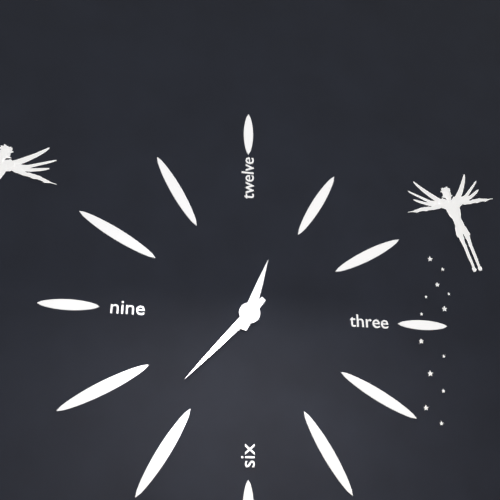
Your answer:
{"hour": 12, "minute": 37}
